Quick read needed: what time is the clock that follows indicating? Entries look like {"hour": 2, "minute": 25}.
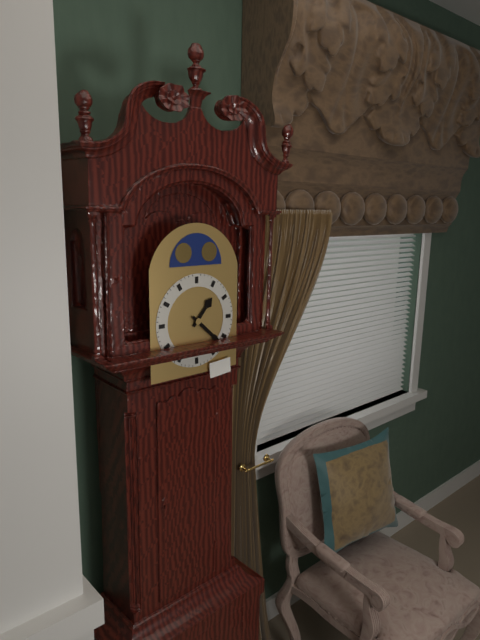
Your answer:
{"hour": 1, "minute": 22}
